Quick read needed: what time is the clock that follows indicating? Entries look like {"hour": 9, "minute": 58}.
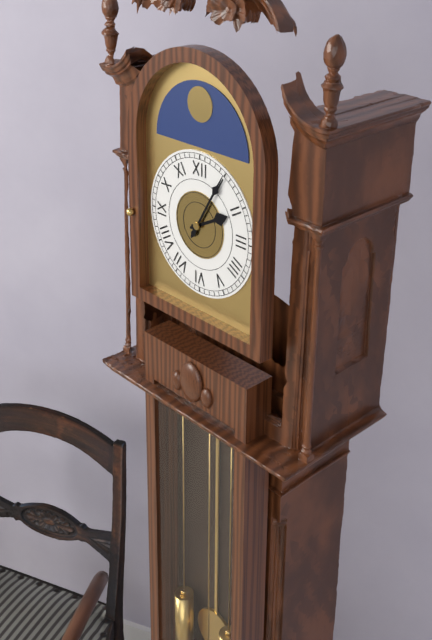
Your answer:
{"hour": 2, "minute": 5}
